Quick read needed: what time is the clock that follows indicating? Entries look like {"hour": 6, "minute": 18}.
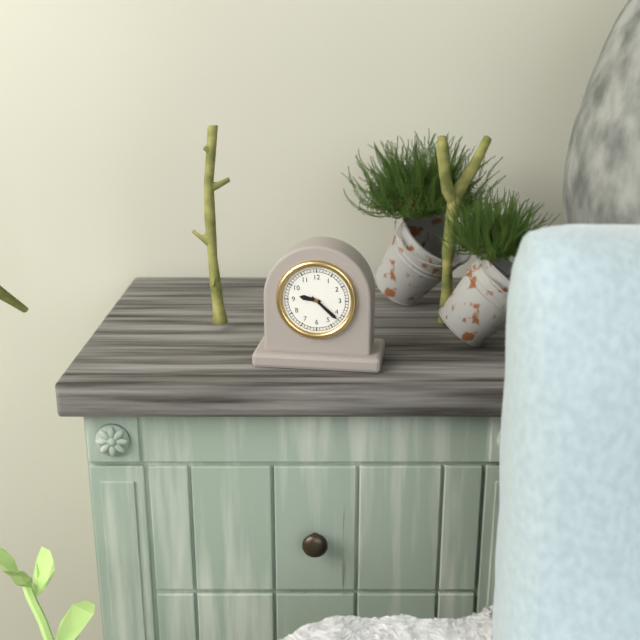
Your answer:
{"hour": 9, "minute": 22}
